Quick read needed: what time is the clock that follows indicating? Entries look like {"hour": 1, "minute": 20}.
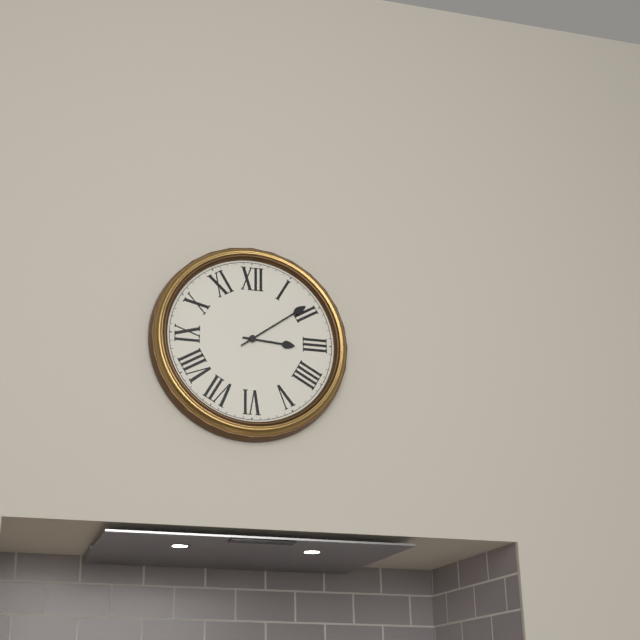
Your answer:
{"hour": 3, "minute": 9}
